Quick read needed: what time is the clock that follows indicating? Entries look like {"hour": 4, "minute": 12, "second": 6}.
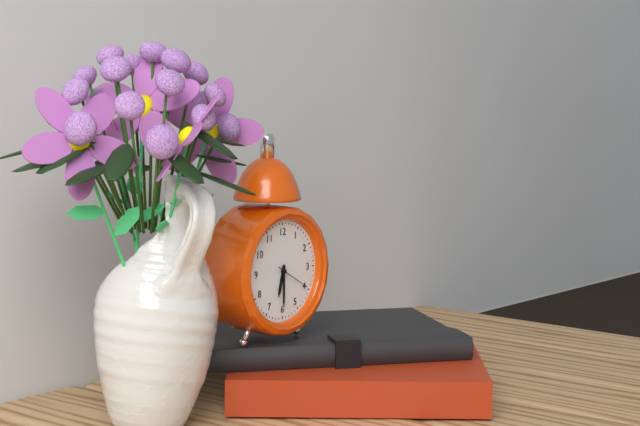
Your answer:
{"hour": 6, "minute": 30, "second": 20}
